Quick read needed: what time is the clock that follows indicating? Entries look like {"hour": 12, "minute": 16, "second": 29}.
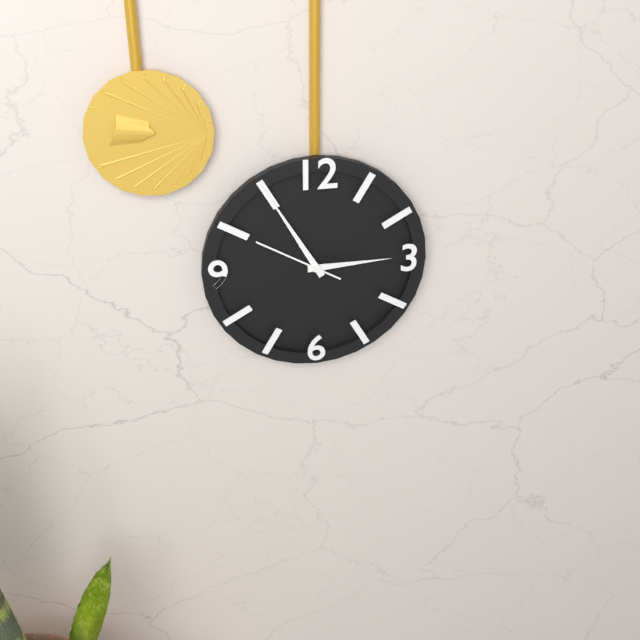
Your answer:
{"hour": 2, "minute": 55, "second": 50}
